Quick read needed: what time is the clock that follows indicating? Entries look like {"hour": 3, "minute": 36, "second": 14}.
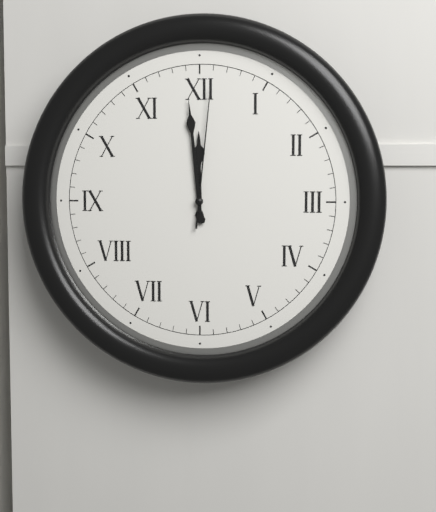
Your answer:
{"hour": 11, "minute": 59, "second": 1}
